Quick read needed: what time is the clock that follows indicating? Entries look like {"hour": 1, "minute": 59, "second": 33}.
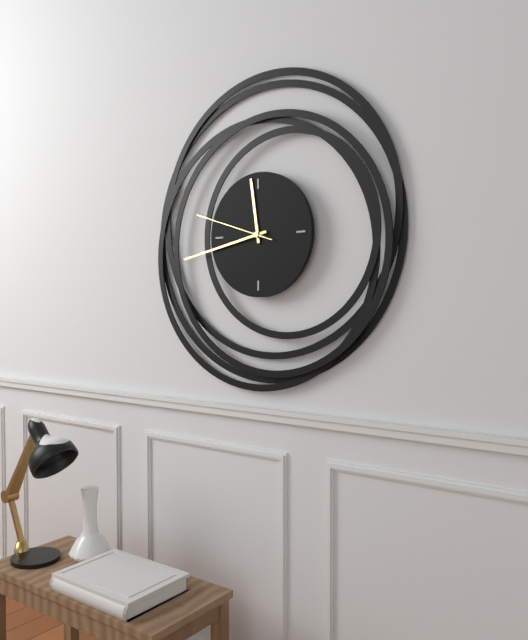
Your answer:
{"hour": 11, "minute": 43, "second": 48}
